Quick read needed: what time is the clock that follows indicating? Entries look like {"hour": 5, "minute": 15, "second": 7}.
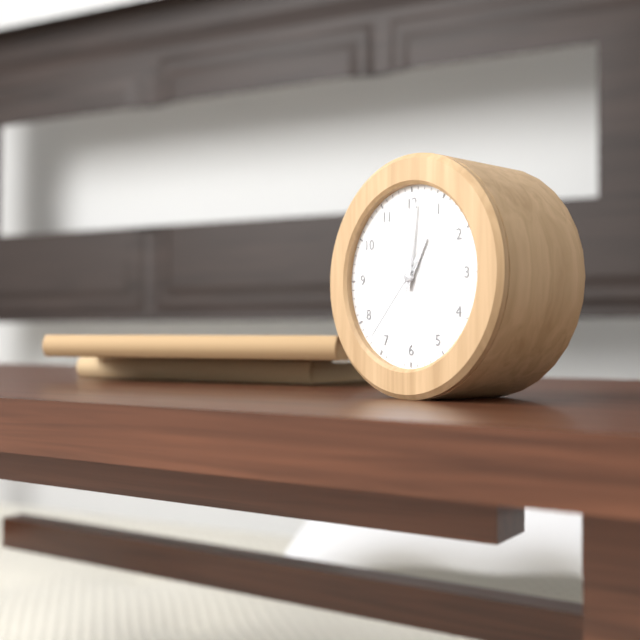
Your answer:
{"hour": 1, "minute": 1, "second": 37}
